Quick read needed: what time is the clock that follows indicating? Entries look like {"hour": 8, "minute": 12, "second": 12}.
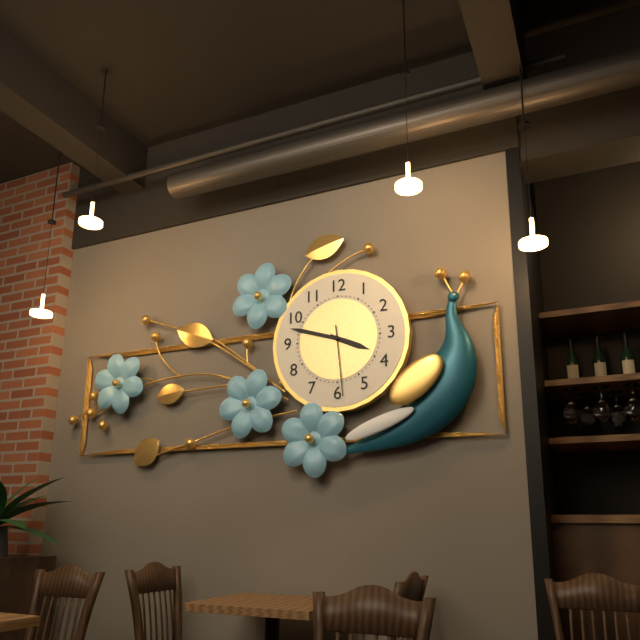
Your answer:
{"hour": 3, "minute": 48, "second": 29}
